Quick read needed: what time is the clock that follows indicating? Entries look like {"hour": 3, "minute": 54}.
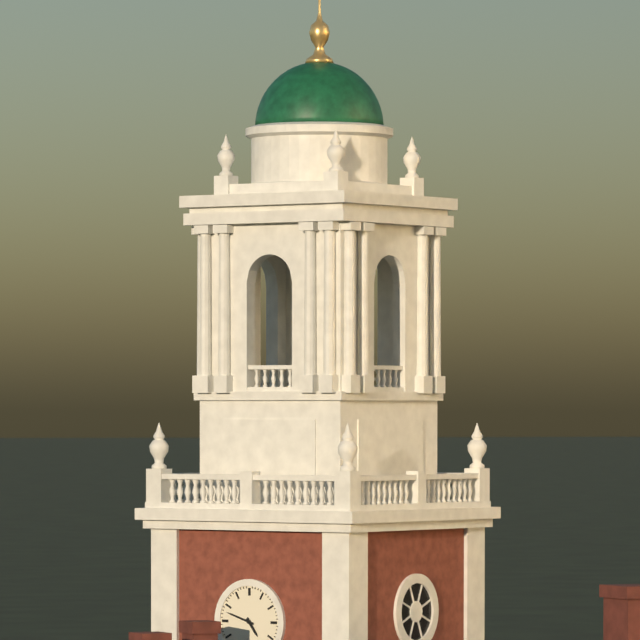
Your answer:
{"hour": 4, "minute": 48}
